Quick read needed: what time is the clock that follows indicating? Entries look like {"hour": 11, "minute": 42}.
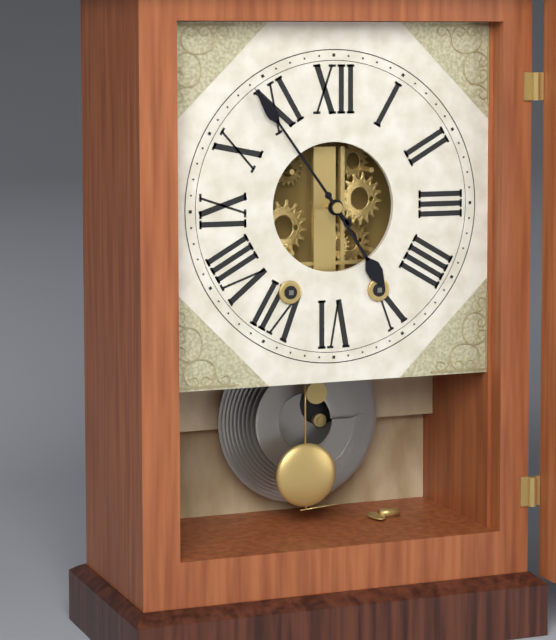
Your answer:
{"hour": 4, "minute": 54}
